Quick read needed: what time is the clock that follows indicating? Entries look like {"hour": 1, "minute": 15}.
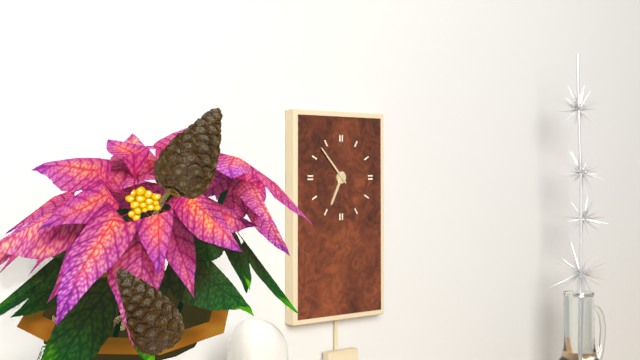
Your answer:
{"hour": 6, "minute": 53}
